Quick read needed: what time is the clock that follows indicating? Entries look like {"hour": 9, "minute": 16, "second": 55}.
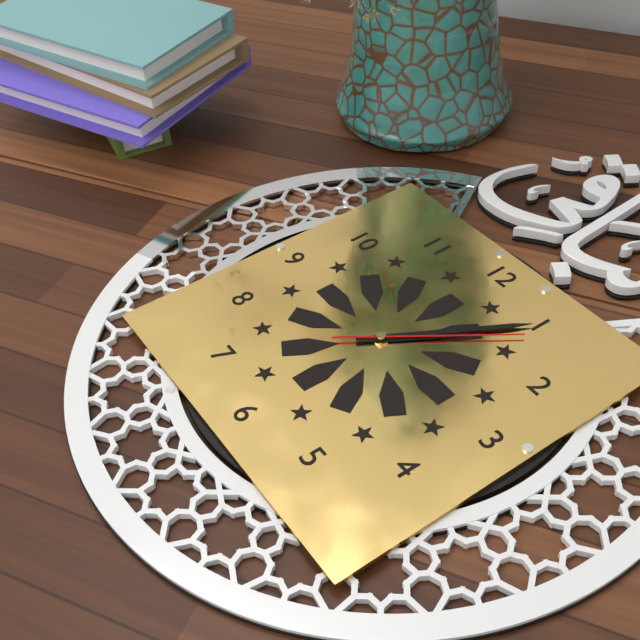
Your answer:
{"hour": 1, "minute": 5, "second": 6}
